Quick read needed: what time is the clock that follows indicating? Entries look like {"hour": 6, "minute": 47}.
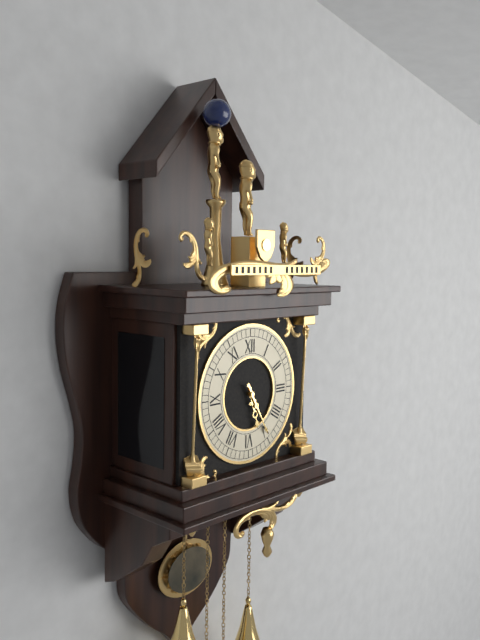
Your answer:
{"hour": 5, "minute": 25}
